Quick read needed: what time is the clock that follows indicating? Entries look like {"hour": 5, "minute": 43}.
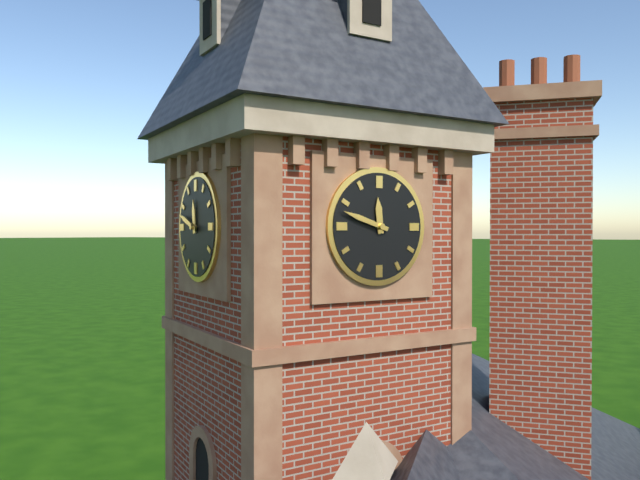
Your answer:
{"hour": 11, "minute": 48}
